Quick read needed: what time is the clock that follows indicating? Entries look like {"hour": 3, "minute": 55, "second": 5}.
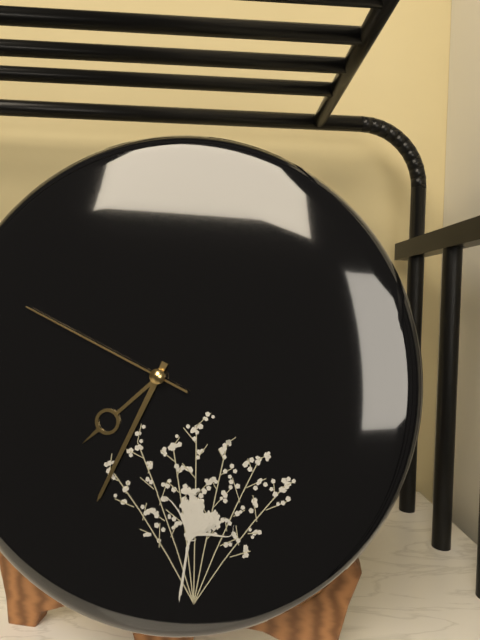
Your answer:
{"hour": 7, "minute": 34, "second": 49}
